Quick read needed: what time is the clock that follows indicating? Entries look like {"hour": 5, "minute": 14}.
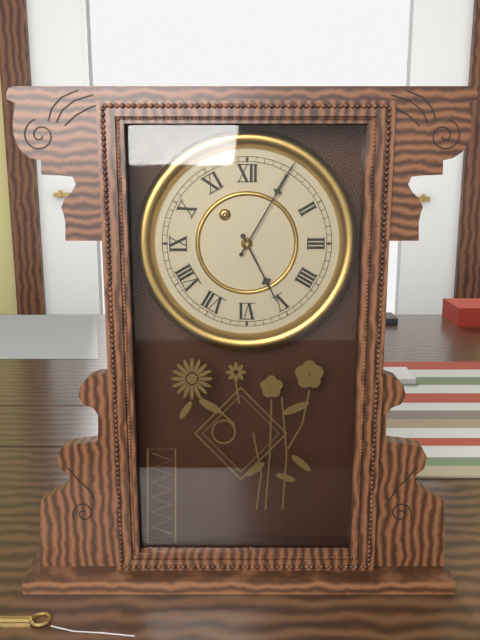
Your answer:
{"hour": 5, "minute": 5}
